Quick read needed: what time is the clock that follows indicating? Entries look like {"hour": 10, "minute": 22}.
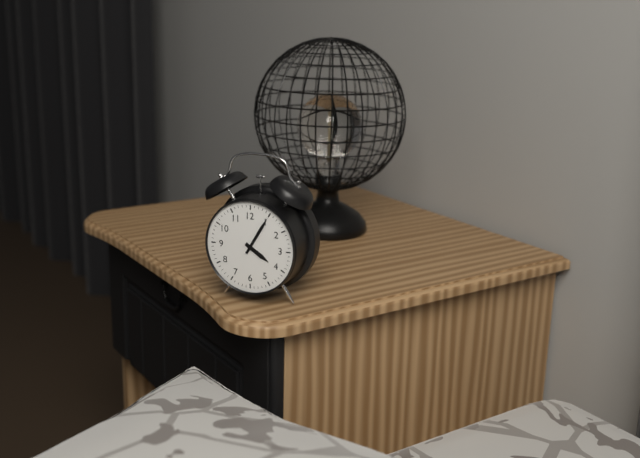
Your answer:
{"hour": 4, "minute": 5}
